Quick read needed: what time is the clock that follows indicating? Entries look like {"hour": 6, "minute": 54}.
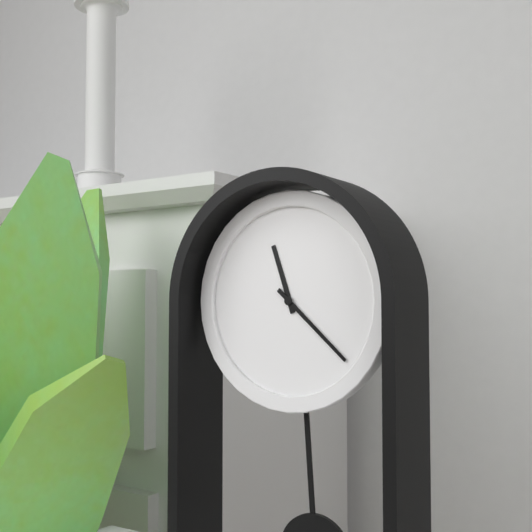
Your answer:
{"hour": 11, "minute": 22}
